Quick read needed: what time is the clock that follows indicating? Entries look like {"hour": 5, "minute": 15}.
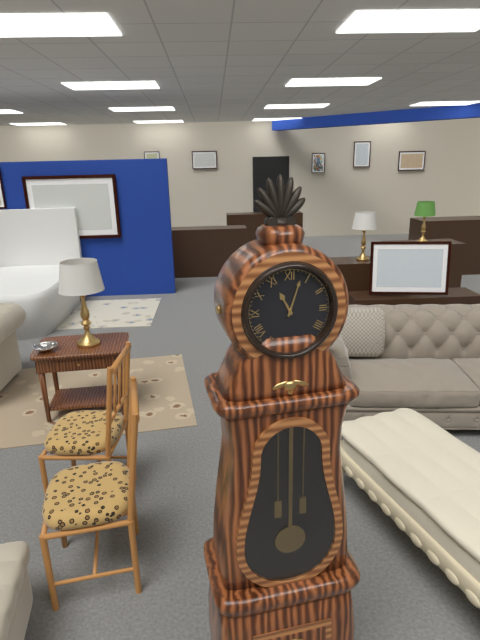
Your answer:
{"hour": 11, "minute": 3}
